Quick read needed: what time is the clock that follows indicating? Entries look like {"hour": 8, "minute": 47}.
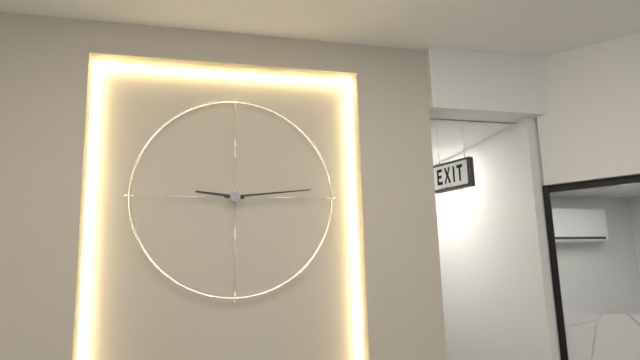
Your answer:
{"hour": 9, "minute": 14}
